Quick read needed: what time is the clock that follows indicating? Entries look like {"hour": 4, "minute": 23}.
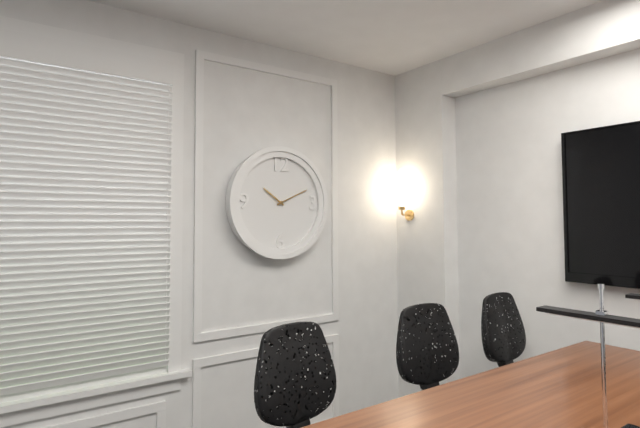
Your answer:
{"hour": 10, "minute": 11}
